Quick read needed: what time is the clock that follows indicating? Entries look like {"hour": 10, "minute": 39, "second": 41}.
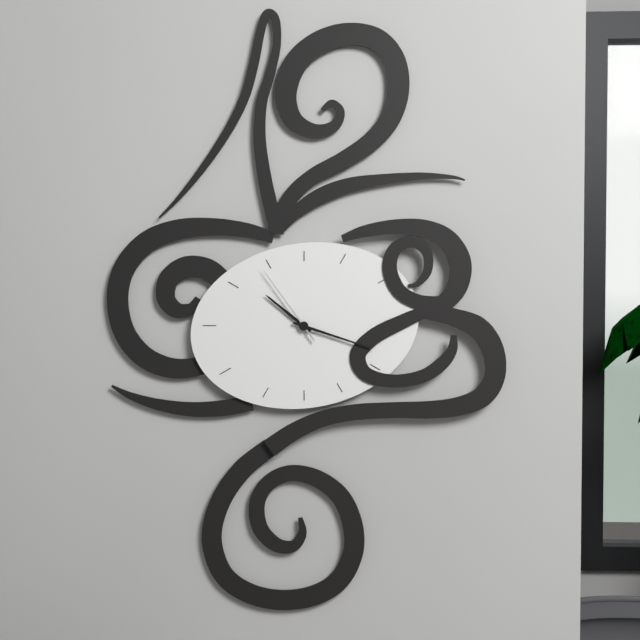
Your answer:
{"hour": 10, "minute": 18, "second": 54}
